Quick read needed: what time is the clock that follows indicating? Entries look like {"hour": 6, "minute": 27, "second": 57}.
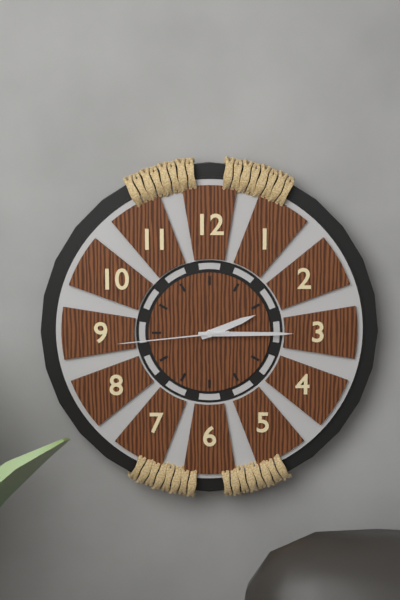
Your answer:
{"hour": 2, "minute": 15, "second": 44}
